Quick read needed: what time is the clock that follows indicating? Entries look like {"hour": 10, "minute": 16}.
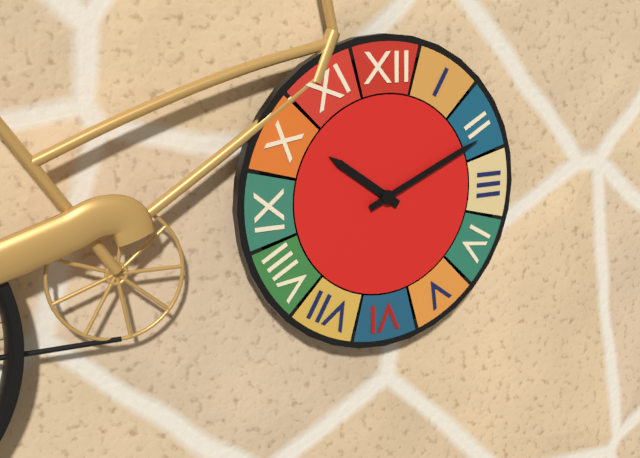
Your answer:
{"hour": 10, "minute": 11}
